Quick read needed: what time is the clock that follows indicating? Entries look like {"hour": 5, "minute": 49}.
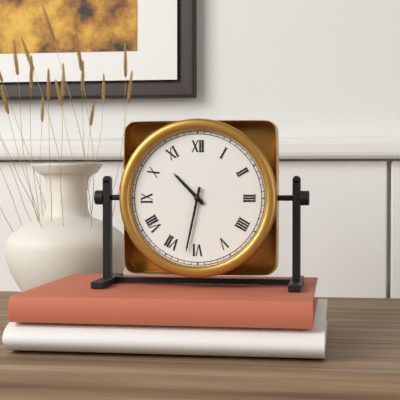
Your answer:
{"hour": 10, "minute": 32}
